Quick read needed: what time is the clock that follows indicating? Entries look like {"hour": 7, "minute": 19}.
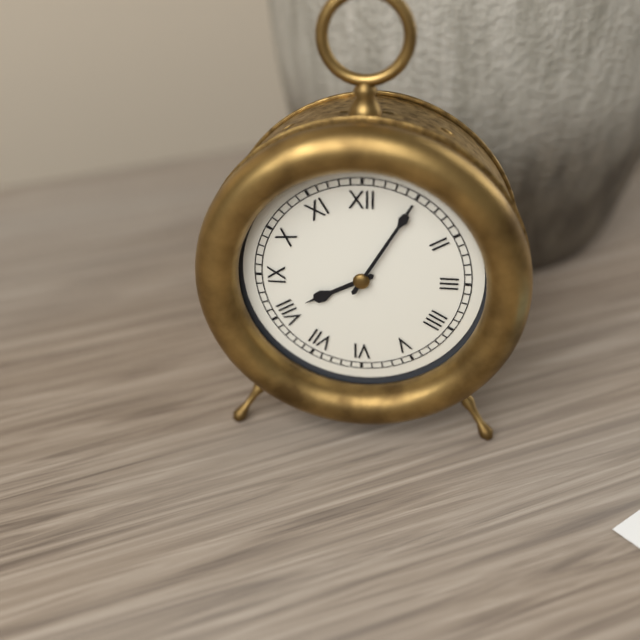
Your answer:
{"hour": 8, "minute": 5}
